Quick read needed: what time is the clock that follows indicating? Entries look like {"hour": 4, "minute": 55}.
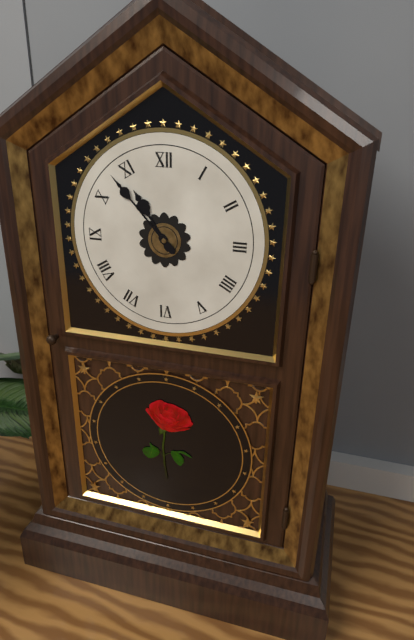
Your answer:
{"hour": 10, "minute": 53}
